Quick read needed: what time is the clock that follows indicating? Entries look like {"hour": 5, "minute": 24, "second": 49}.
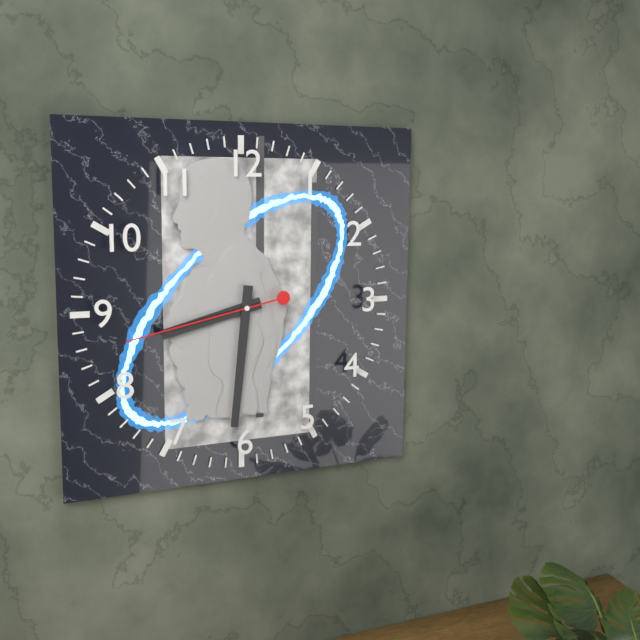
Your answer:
{"hour": 8, "minute": 31, "second": 43}
